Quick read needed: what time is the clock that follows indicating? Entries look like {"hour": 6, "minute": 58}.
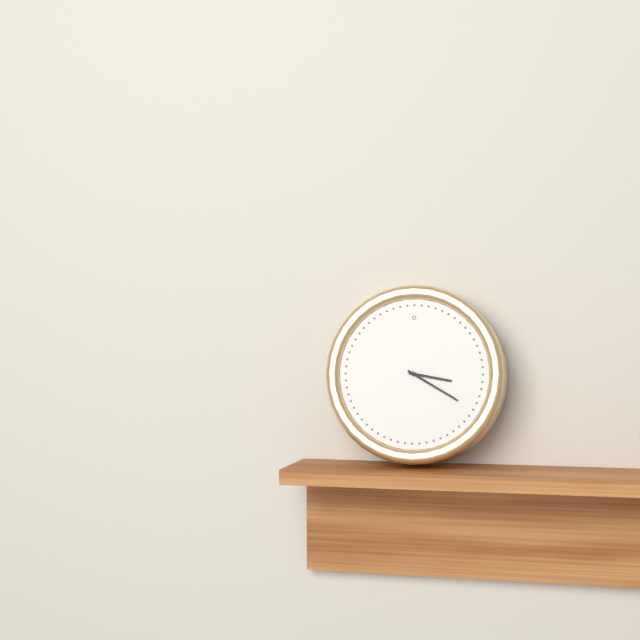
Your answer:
{"hour": 3, "minute": 20}
